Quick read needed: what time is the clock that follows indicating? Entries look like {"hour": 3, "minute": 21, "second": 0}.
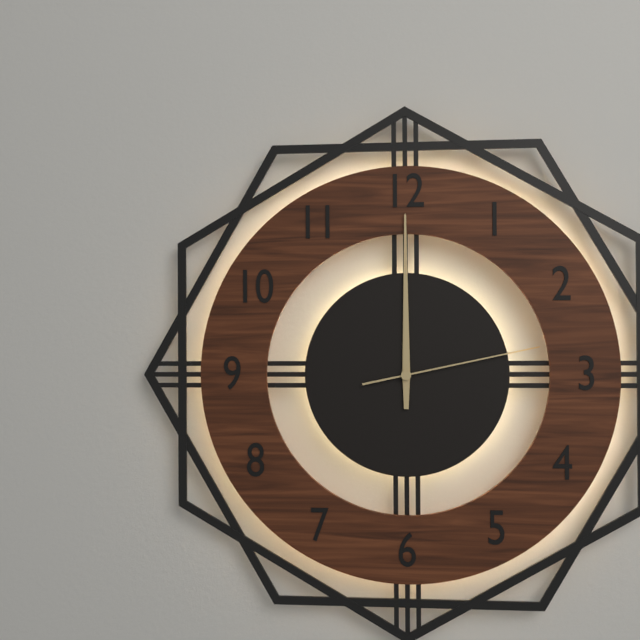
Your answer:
{"hour": 12, "minute": 0, "second": 13}
